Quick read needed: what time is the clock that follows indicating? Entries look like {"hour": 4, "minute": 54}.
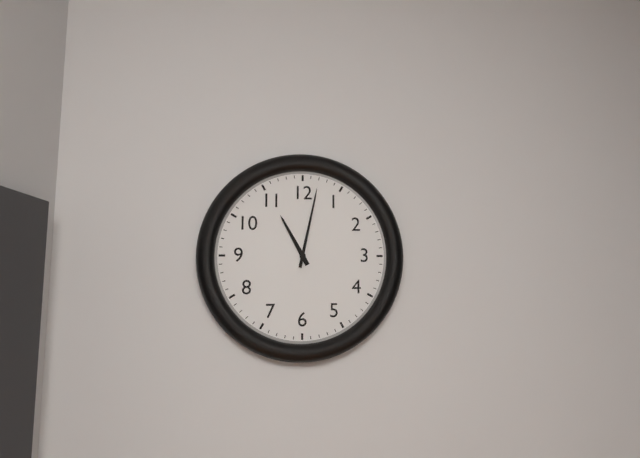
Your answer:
{"hour": 11, "minute": 2}
